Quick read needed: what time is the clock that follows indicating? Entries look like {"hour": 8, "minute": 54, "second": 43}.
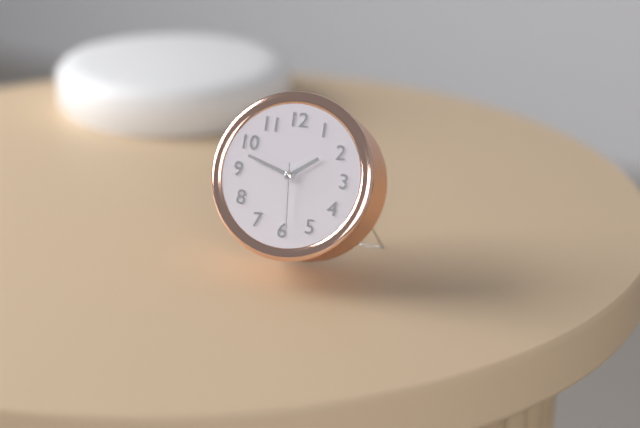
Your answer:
{"hour": 1, "minute": 48, "second": 29}
